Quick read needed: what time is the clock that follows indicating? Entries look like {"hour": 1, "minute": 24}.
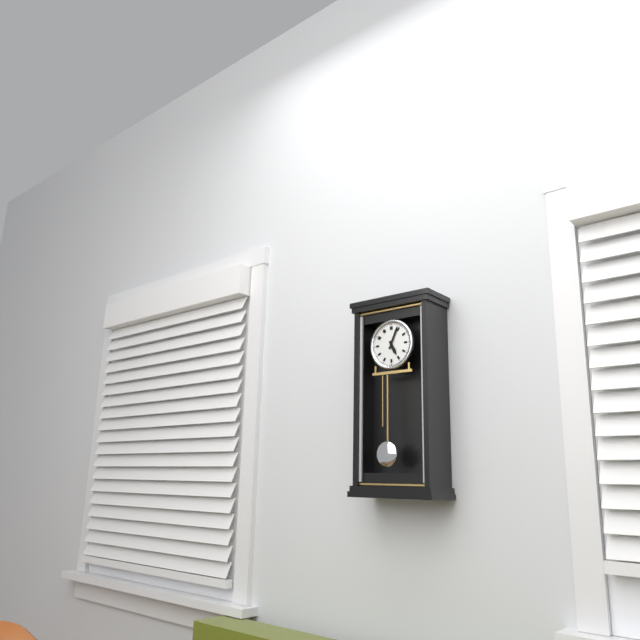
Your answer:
{"hour": 5, "minute": 4}
